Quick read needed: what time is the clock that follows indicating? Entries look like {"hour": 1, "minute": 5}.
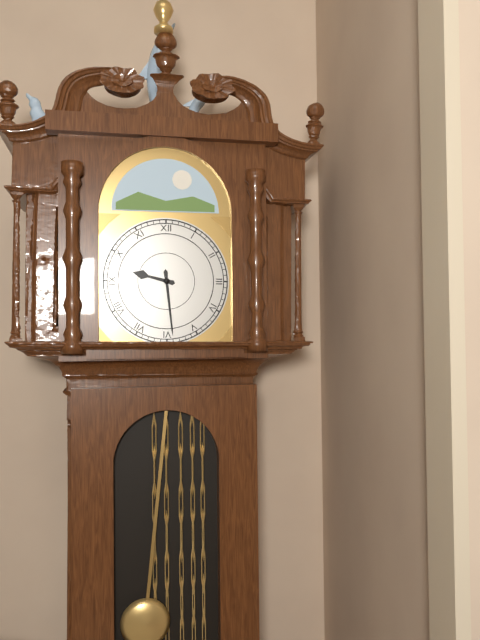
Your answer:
{"hour": 9, "minute": 29}
